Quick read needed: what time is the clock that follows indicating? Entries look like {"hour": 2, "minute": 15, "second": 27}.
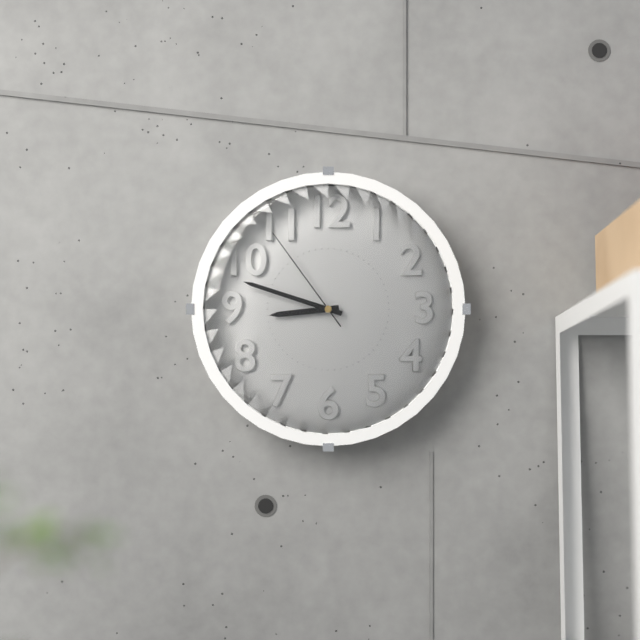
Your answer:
{"hour": 8, "minute": 48, "second": 54}
